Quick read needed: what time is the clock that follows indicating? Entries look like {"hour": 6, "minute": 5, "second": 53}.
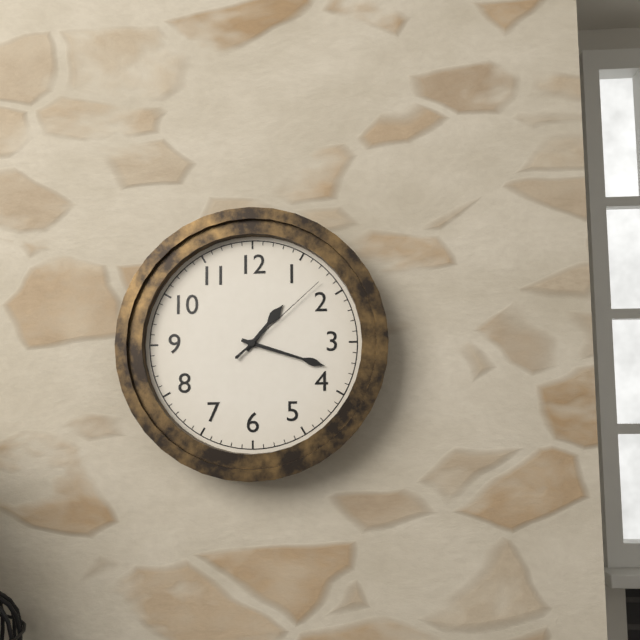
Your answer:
{"hour": 1, "minute": 18, "second": 8}
